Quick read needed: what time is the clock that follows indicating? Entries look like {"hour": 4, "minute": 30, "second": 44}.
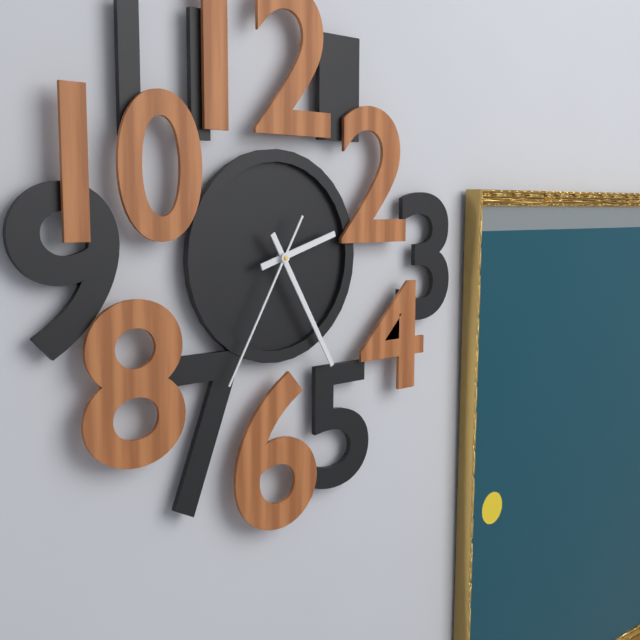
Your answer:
{"hour": 2, "minute": 25, "second": 35}
